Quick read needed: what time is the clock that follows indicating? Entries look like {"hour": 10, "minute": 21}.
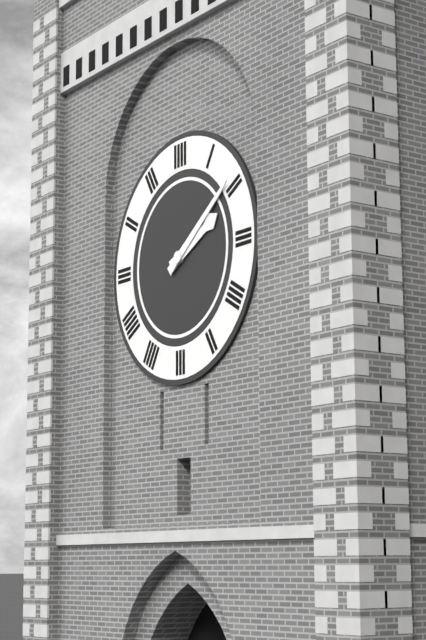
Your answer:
{"hour": 2, "minute": 9}
